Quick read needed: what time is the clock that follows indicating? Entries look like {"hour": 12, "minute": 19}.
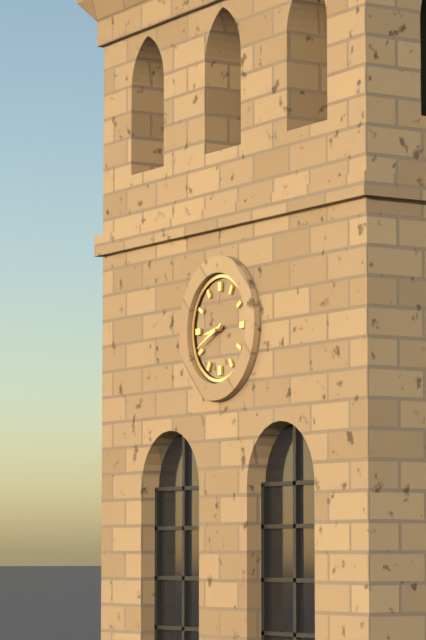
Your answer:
{"hour": 8, "minute": 41}
